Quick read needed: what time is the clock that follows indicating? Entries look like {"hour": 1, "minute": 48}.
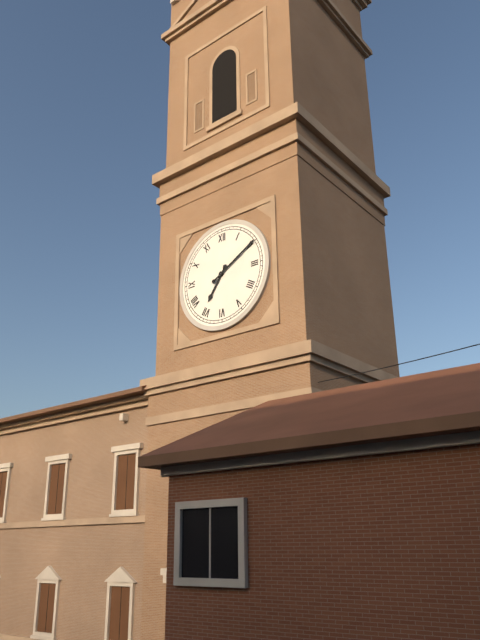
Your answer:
{"hour": 7, "minute": 10}
